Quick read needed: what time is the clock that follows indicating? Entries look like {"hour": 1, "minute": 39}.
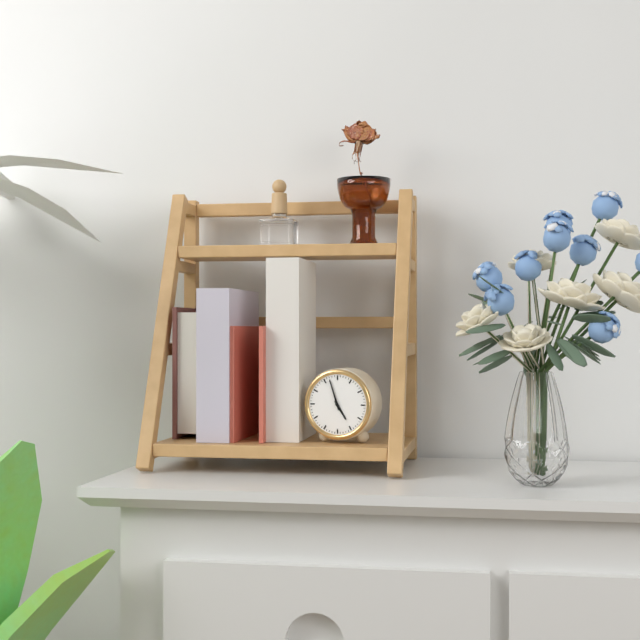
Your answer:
{"hour": 4, "minute": 57}
